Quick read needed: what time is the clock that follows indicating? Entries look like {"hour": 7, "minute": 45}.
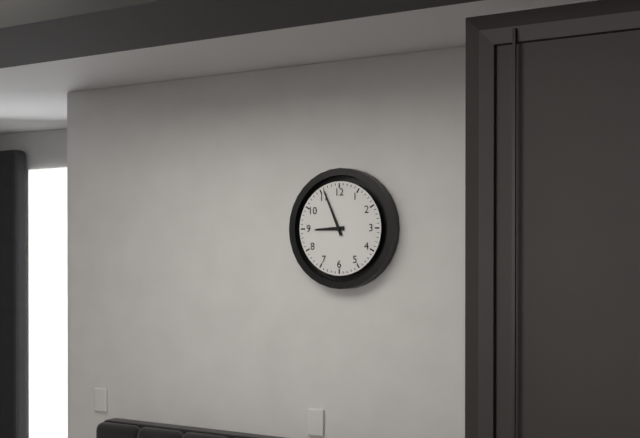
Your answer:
{"hour": 8, "minute": 56}
